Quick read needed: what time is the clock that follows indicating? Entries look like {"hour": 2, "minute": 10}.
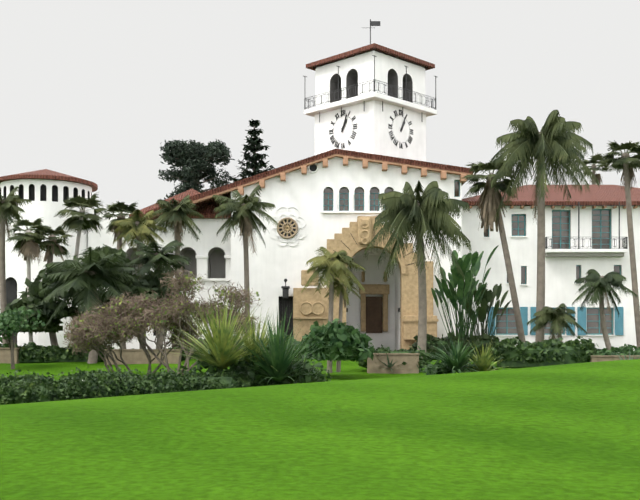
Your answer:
{"hour": 1, "minute": 4}
